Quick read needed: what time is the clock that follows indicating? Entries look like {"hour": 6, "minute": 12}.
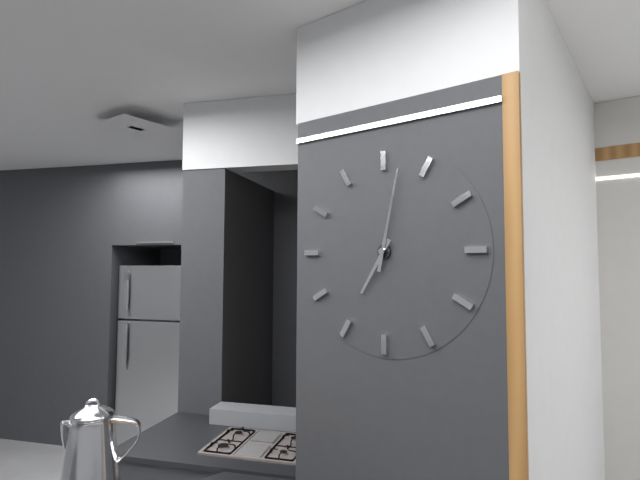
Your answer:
{"hour": 7, "minute": 2}
